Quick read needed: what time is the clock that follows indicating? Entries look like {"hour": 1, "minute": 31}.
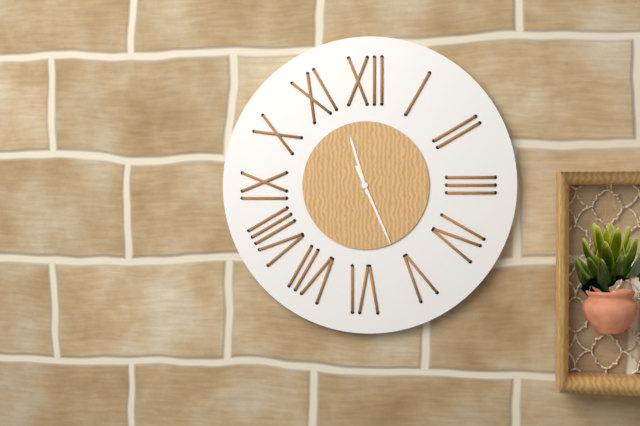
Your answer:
{"hour": 11, "minute": 26}
